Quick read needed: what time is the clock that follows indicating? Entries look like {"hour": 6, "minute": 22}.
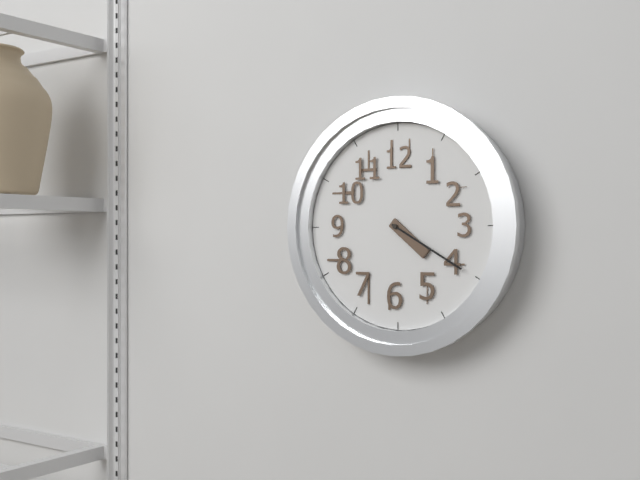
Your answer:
{"hour": 4, "minute": 20}
